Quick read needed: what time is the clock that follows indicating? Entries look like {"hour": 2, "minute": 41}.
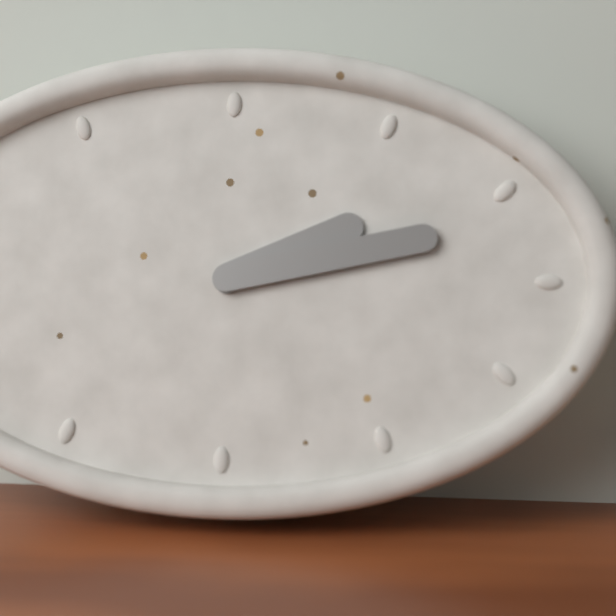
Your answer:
{"hour": 2, "minute": 13}
